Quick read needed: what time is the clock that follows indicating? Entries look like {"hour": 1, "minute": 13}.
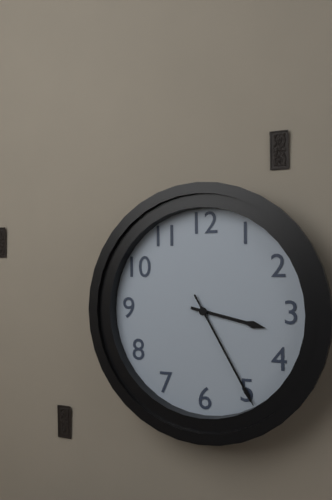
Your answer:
{"hour": 3, "minute": 25}
